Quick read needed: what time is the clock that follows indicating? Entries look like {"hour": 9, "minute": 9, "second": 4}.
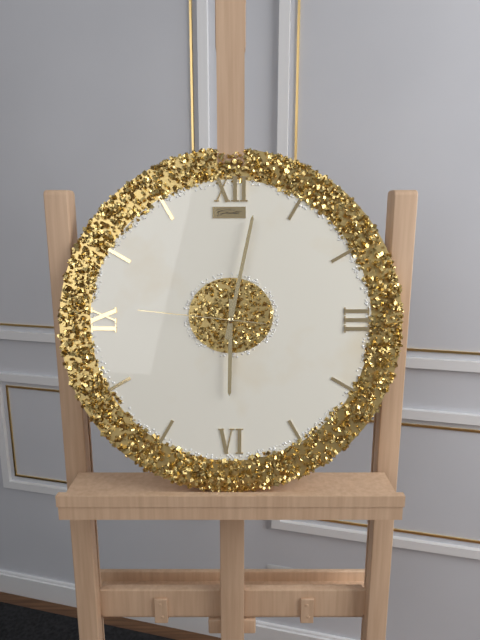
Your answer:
{"hour": 6, "minute": 2, "second": 46}
